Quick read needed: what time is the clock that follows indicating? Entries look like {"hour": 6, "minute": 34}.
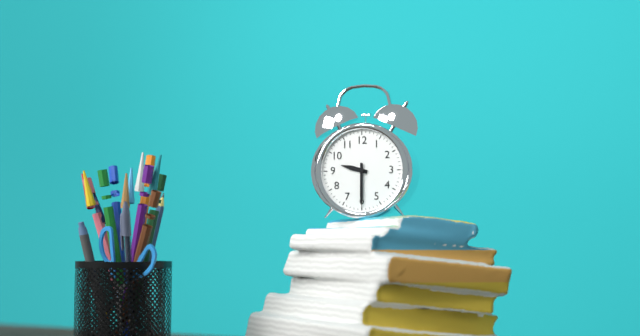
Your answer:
{"hour": 9, "minute": 30}
